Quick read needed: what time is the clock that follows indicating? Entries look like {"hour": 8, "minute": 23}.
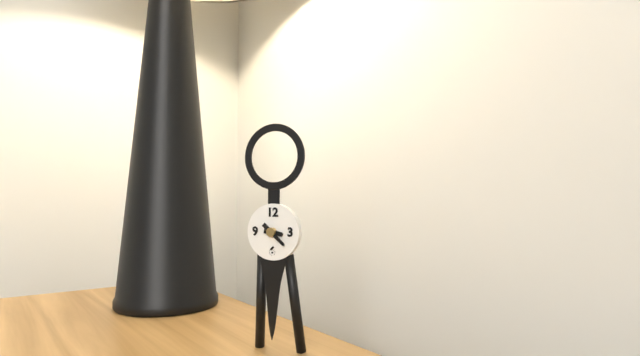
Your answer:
{"hour": 3, "minute": 22}
